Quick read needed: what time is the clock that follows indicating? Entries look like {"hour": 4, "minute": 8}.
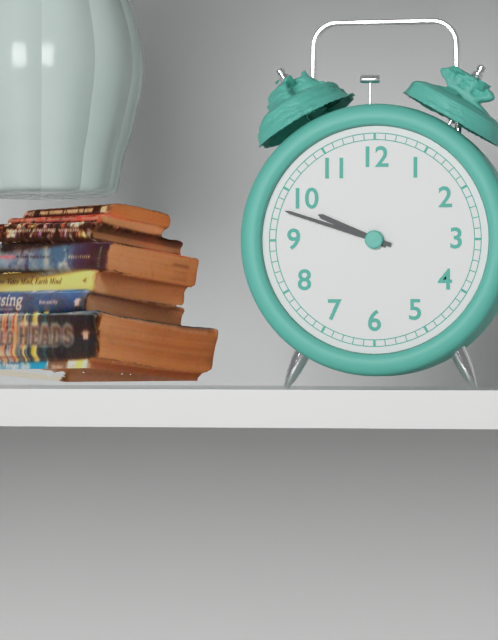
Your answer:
{"hour": 9, "minute": 48}
